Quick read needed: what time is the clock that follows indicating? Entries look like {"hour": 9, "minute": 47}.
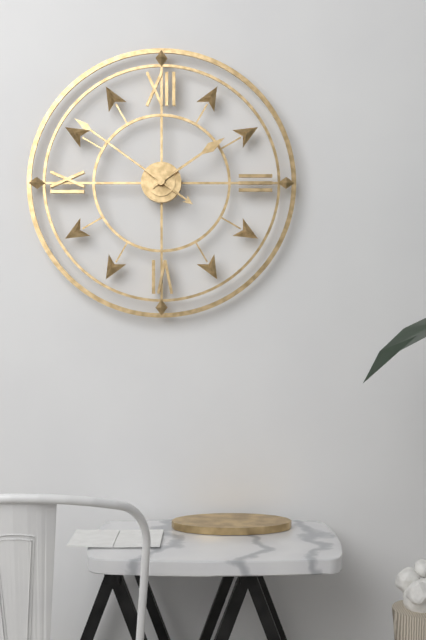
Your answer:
{"hour": 1, "minute": 51}
